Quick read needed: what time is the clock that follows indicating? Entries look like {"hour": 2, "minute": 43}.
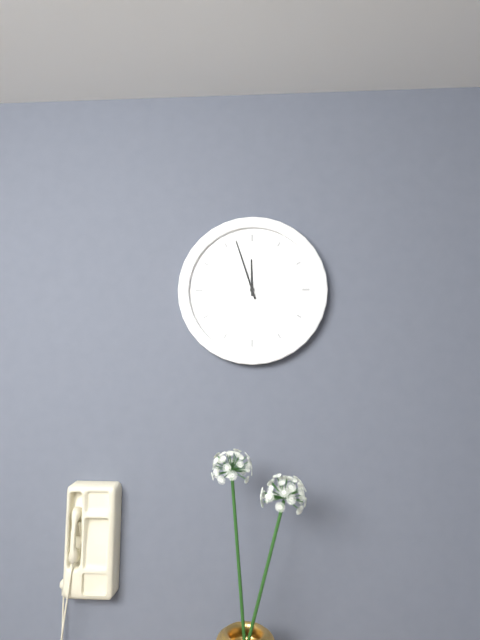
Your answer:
{"hour": 11, "minute": 57}
